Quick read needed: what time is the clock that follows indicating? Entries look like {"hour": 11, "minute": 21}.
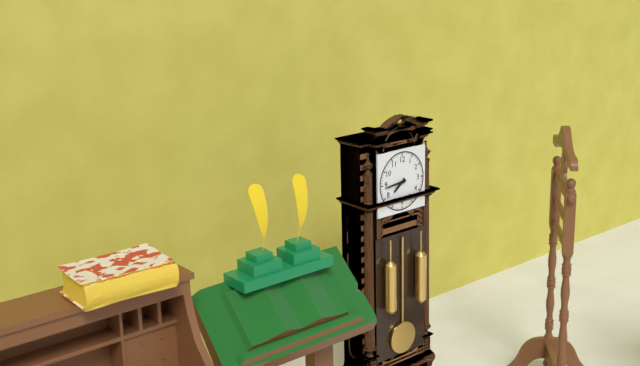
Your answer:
{"hour": 7, "minute": 44}
